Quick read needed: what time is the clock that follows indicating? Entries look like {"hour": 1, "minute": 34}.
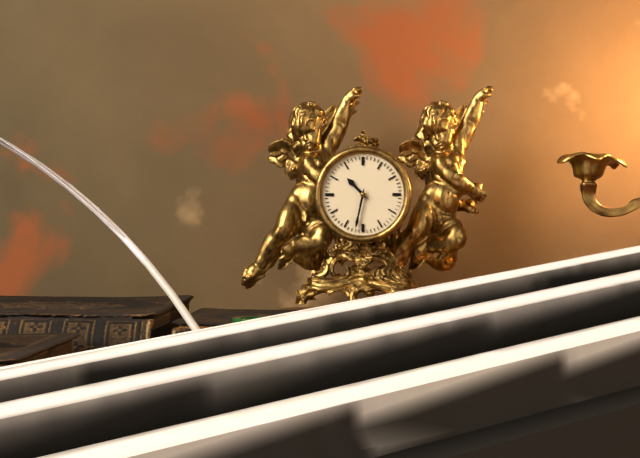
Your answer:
{"hour": 10, "minute": 32}
